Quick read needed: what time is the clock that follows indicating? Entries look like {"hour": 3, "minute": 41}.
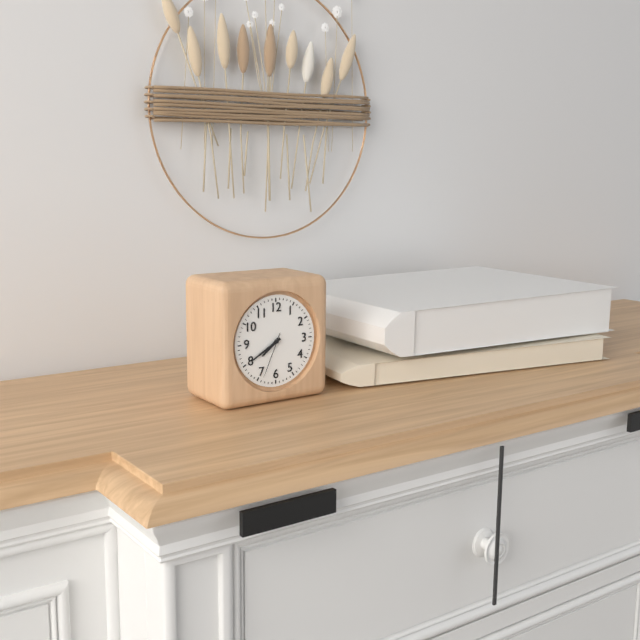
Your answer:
{"hour": 7, "minute": 40}
